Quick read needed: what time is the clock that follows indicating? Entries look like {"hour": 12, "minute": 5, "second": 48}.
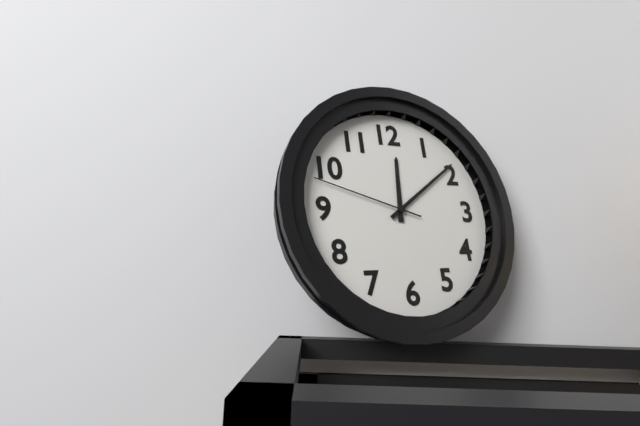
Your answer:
{"hour": 12, "minute": 9, "second": 48}
